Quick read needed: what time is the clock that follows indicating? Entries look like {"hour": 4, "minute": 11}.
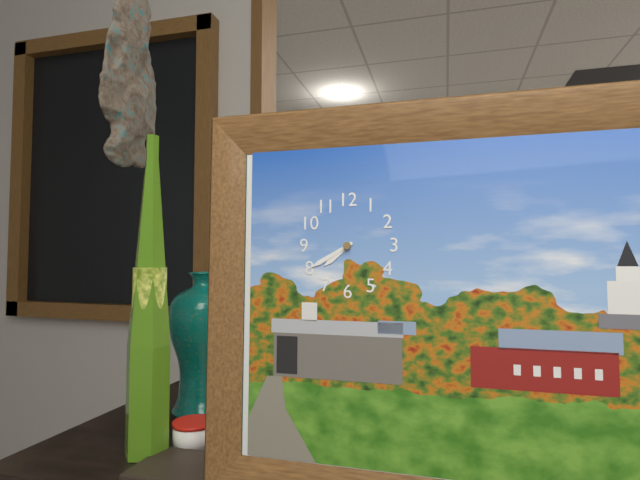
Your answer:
{"hour": 7, "minute": 40}
